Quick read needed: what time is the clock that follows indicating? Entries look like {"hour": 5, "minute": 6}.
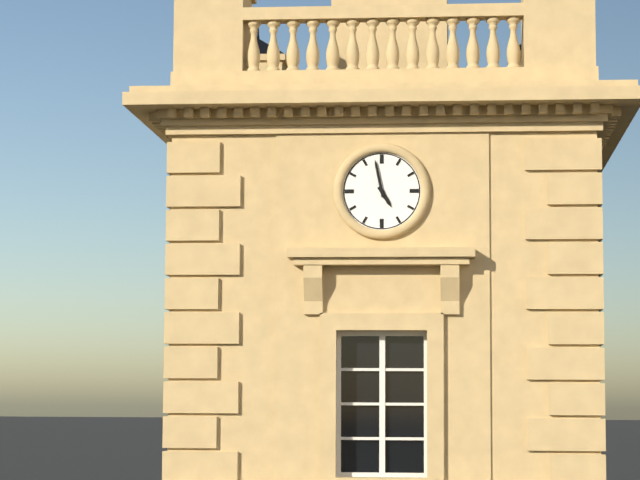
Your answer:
{"hour": 4, "minute": 58}
